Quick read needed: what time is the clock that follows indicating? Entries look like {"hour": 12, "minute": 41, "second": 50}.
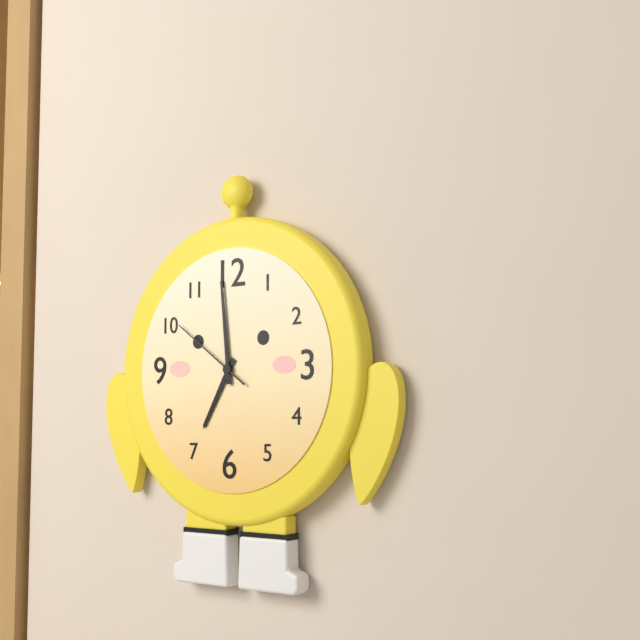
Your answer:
{"hour": 6, "minute": 59, "second": 51}
